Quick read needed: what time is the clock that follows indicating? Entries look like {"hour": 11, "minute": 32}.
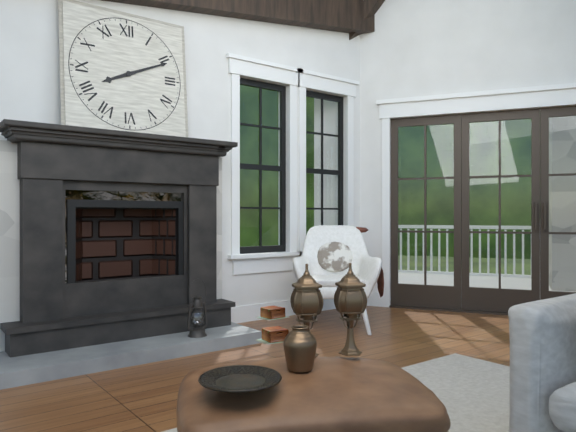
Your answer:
{"hour": 8, "minute": 11}
